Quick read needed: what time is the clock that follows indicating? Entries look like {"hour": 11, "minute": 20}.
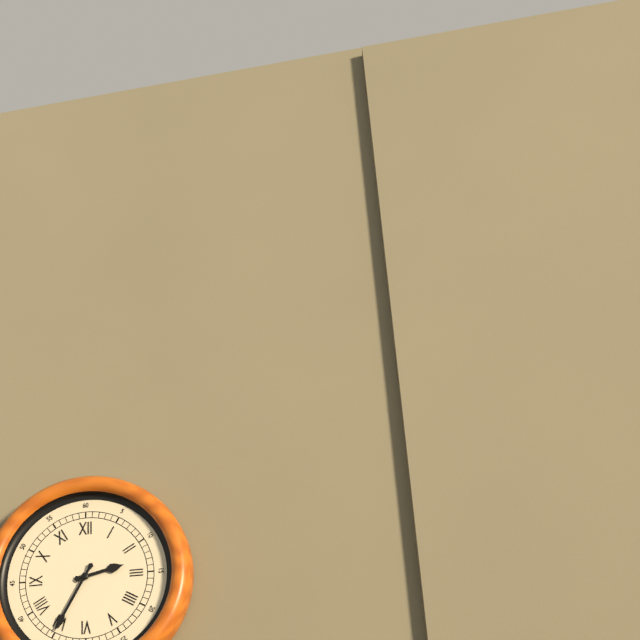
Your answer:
{"hour": 2, "minute": 35}
